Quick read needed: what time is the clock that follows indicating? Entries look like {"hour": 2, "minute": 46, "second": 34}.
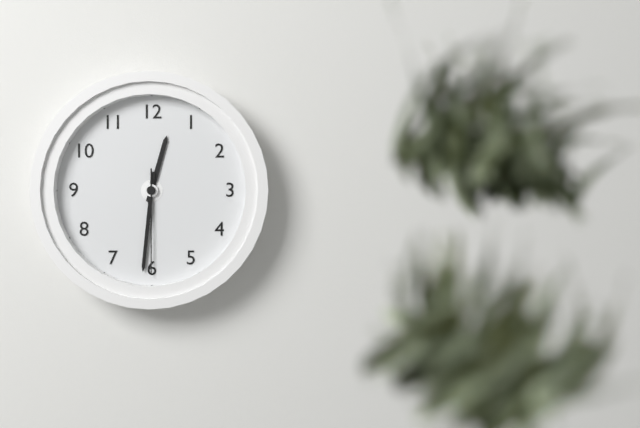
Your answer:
{"hour": 12, "minute": 31, "second": 30}
